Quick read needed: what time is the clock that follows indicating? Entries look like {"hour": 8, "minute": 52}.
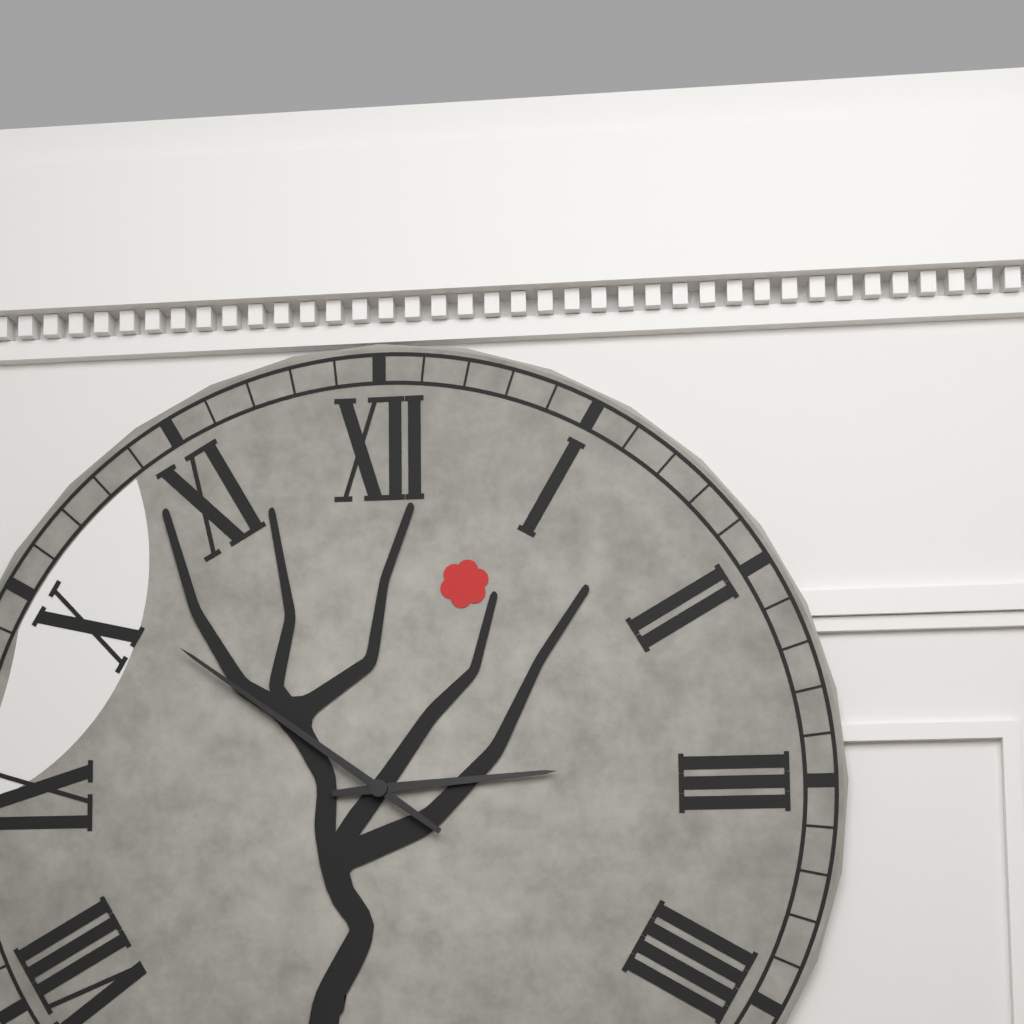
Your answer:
{"hour": 2, "minute": 51}
